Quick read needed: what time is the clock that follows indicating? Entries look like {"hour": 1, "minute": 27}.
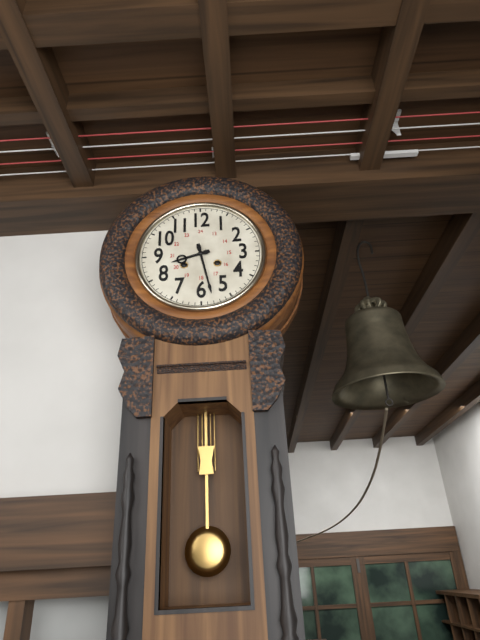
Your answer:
{"hour": 8, "minute": 28}
